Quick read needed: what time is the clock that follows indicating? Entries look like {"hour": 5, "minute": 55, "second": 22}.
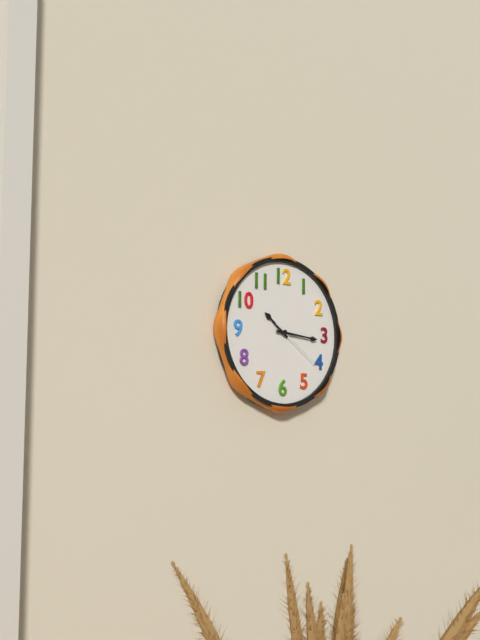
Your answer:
{"hour": 10, "minute": 16, "second": 21}
